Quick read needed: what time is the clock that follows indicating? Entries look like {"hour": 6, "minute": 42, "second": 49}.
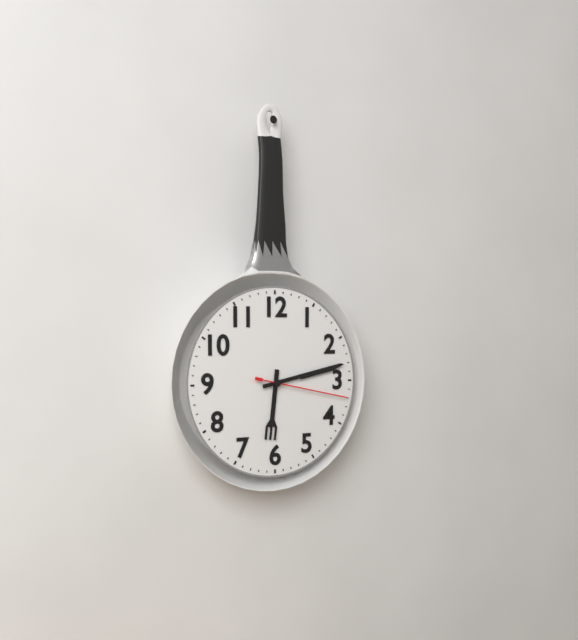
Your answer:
{"hour": 6, "minute": 13, "second": 17}
